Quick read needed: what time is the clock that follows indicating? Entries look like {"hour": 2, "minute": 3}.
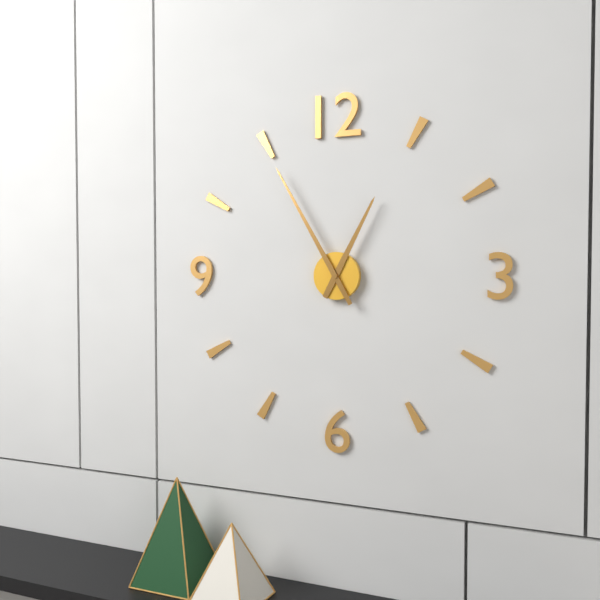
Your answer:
{"hour": 12, "minute": 55}
